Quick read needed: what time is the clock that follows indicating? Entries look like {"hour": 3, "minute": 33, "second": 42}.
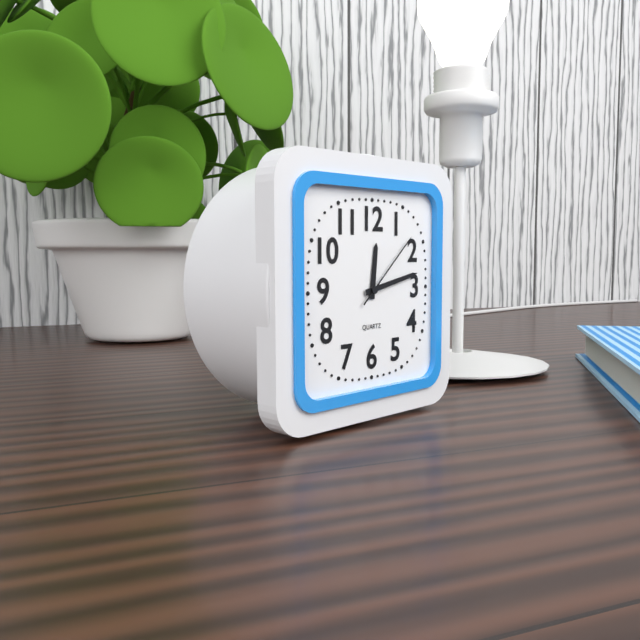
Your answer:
{"hour": 12, "minute": 13, "second": 8}
